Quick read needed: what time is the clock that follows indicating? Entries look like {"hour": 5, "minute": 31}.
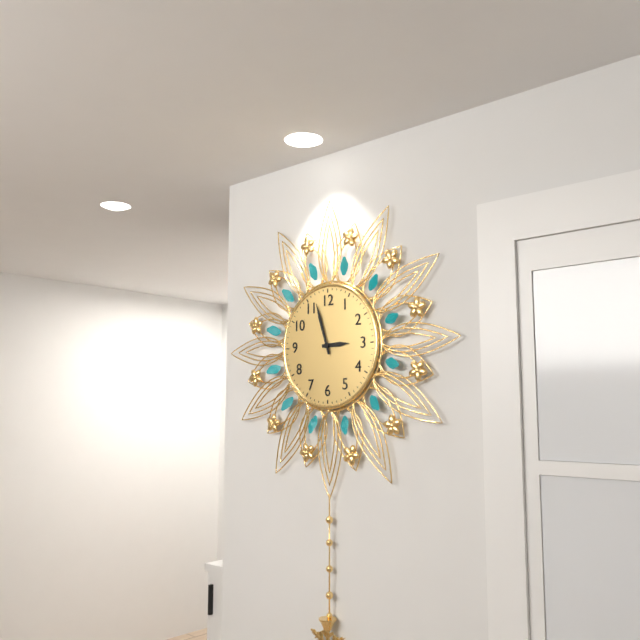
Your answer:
{"hour": 2, "minute": 57}
